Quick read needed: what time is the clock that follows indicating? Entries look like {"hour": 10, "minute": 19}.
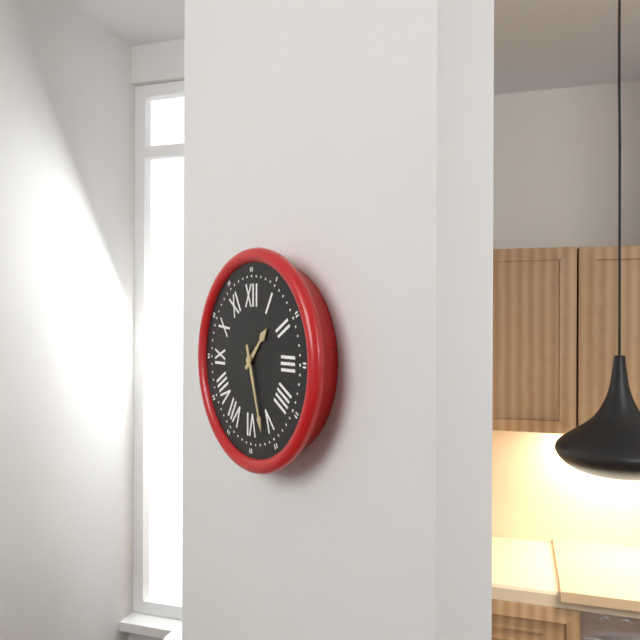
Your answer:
{"hour": 1, "minute": 27}
